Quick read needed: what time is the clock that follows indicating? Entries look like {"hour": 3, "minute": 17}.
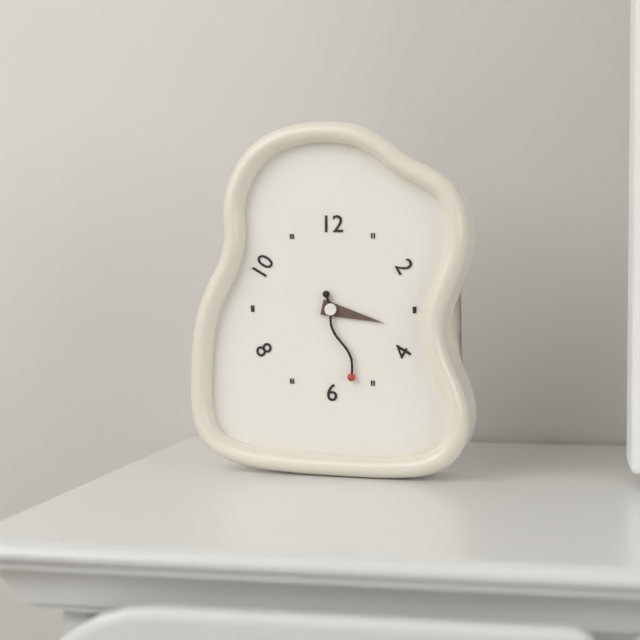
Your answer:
{"hour": 3, "minute": 27}
